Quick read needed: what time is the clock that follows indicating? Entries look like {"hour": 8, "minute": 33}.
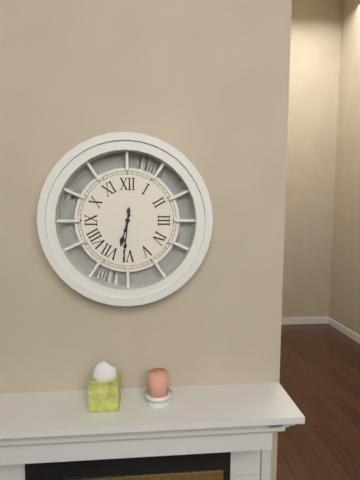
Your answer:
{"hour": 6, "minute": 31}
